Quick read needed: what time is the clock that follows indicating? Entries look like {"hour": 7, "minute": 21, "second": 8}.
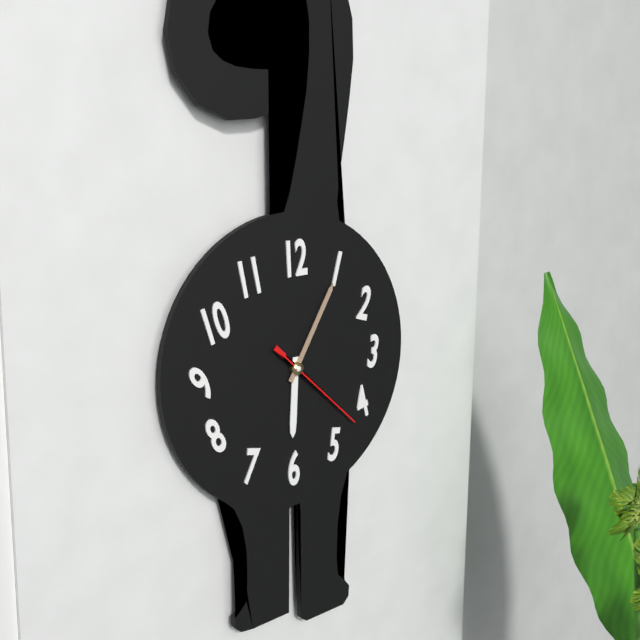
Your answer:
{"hour": 6, "minute": 5, "second": 22}
